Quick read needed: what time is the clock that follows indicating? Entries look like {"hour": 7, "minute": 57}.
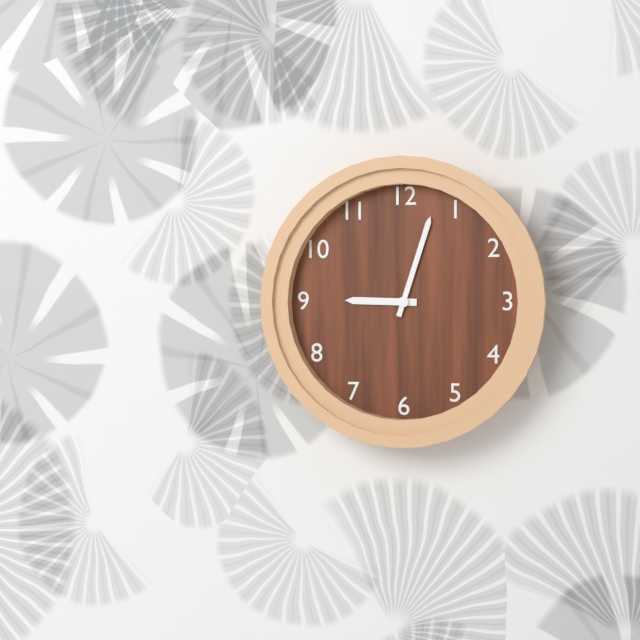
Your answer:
{"hour": 9, "minute": 3}
